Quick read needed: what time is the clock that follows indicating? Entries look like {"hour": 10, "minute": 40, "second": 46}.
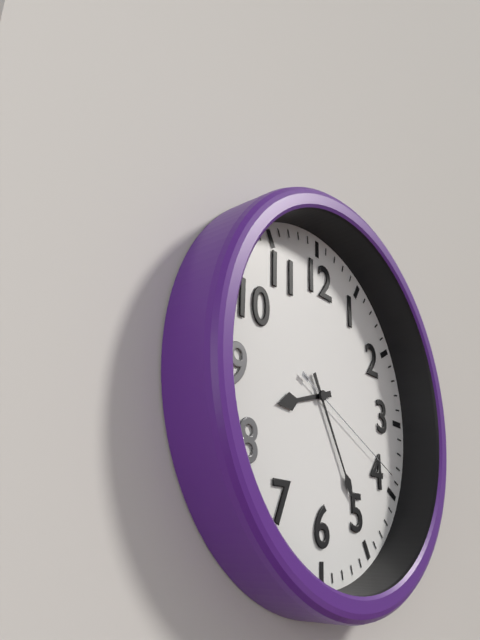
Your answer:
{"hour": 8, "minute": 25, "second": 19}
